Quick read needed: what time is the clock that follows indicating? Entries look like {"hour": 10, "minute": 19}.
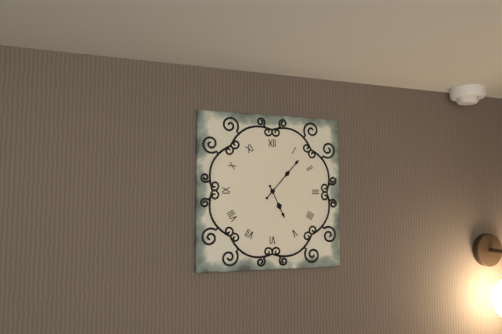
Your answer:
{"hour": 5, "minute": 7}
